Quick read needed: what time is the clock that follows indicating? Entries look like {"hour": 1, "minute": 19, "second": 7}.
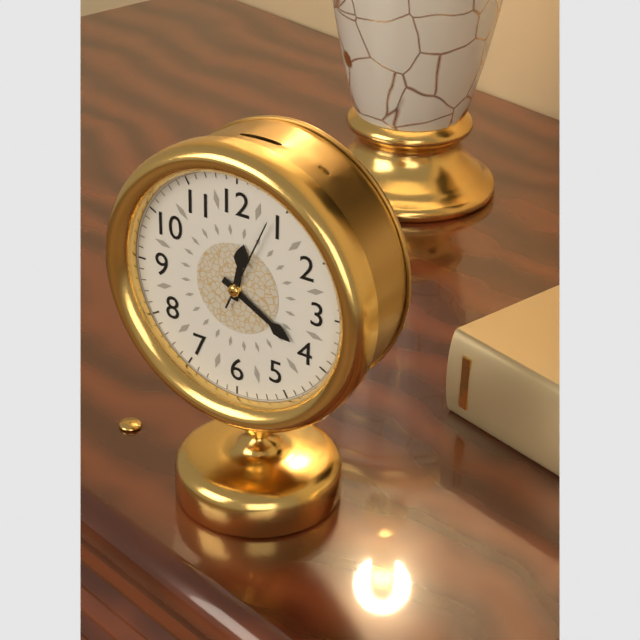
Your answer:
{"hour": 12, "minute": 20, "second": 4}
